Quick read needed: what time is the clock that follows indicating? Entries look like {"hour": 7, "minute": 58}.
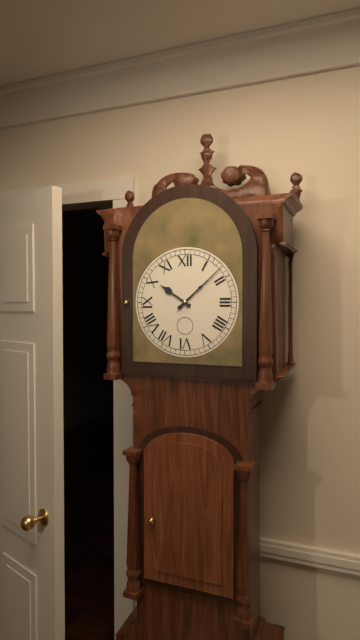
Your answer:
{"hour": 10, "minute": 8}
